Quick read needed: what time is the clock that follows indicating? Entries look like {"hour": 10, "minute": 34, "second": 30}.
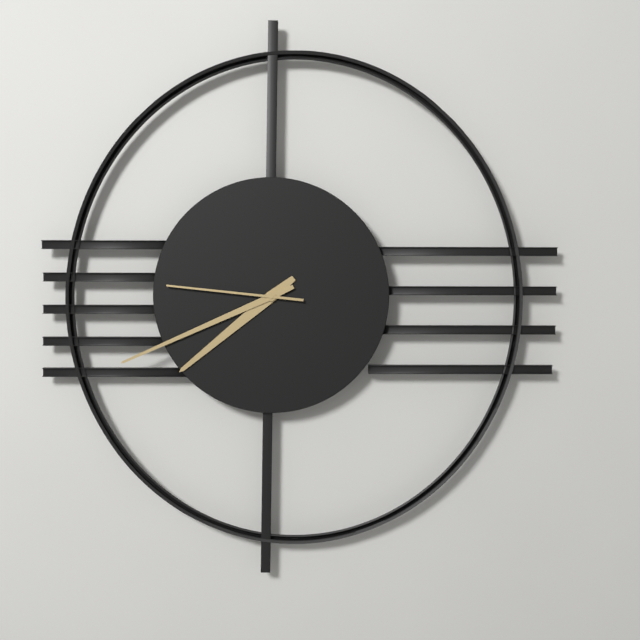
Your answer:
{"hour": 7, "minute": 41, "second": 46}
